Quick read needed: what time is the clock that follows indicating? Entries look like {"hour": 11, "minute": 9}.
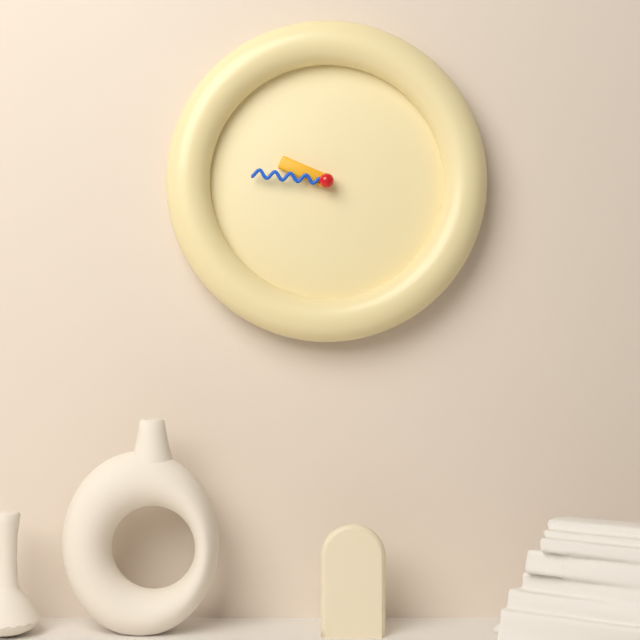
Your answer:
{"hour": 9, "minute": 46}
